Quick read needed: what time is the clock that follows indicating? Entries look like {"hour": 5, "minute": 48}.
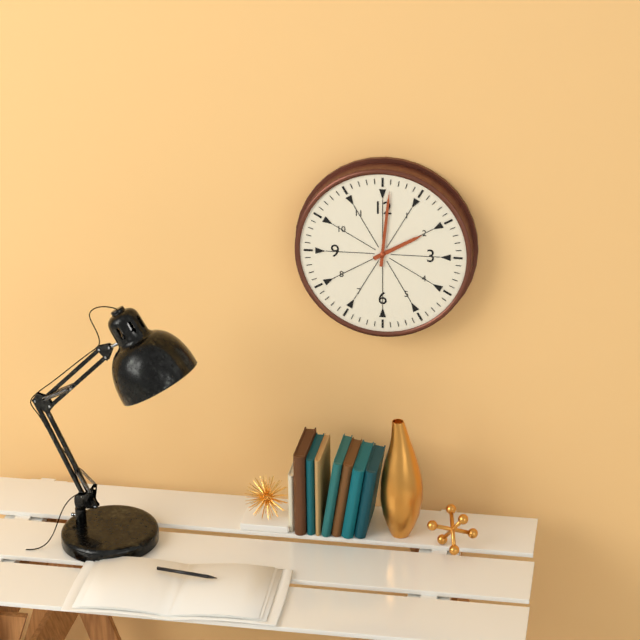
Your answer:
{"hour": 2, "minute": 1}
